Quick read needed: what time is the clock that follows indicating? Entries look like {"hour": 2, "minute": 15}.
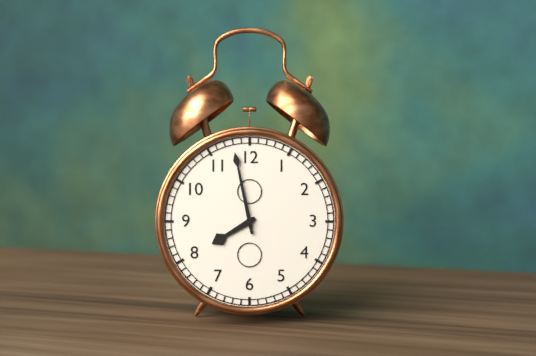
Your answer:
{"hour": 7, "minute": 58}
